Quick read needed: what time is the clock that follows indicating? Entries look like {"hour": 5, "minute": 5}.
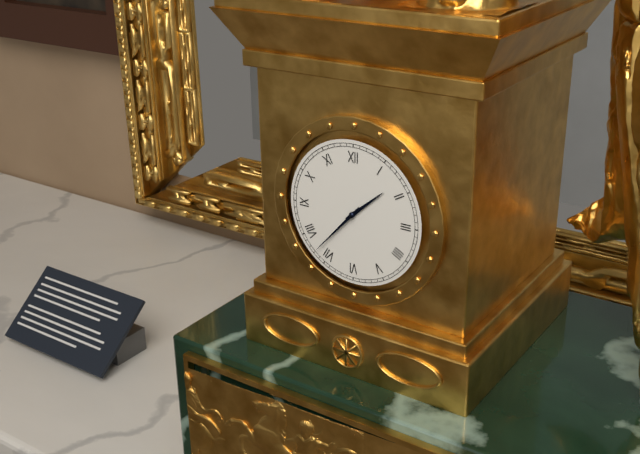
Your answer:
{"hour": 1, "minute": 37}
